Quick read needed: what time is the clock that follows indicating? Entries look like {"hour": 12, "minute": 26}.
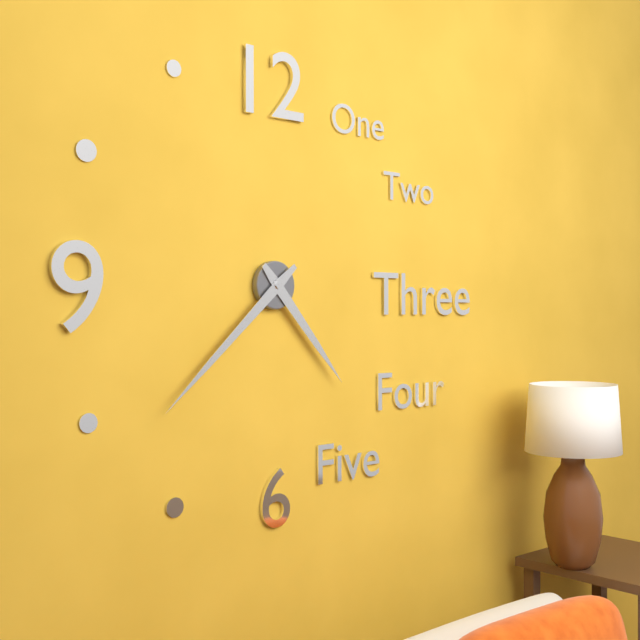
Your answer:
{"hour": 4, "minute": 38}
